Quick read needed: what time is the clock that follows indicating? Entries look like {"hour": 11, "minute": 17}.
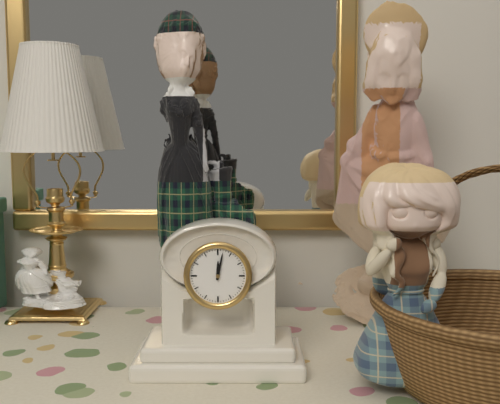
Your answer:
{"hour": 12, "minute": 2}
